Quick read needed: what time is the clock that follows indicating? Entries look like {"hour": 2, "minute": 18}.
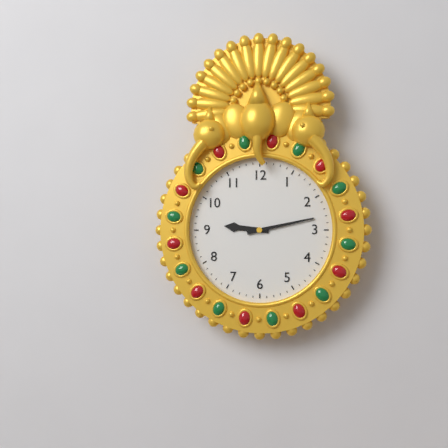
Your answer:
{"hour": 9, "minute": 13}
